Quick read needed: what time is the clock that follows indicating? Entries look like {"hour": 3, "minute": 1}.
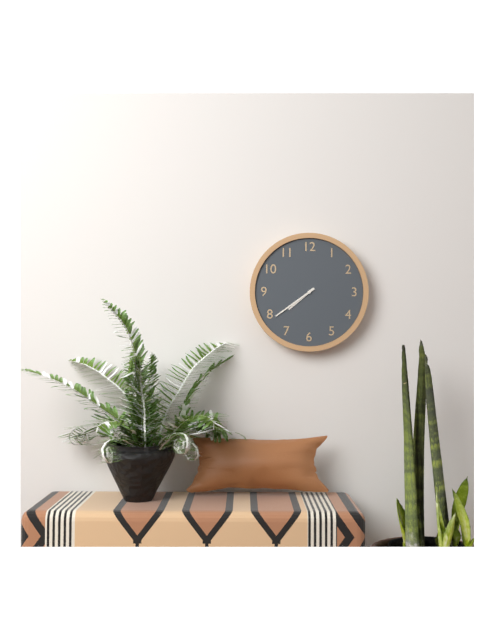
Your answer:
{"hour": 7, "minute": 39}
